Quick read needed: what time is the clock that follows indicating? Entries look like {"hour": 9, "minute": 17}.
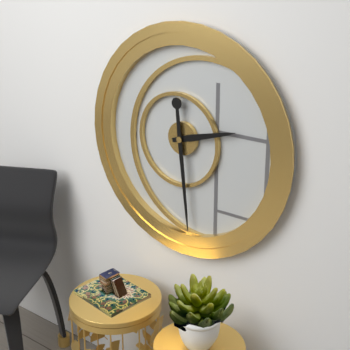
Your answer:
{"hour": 2, "minute": 29}
